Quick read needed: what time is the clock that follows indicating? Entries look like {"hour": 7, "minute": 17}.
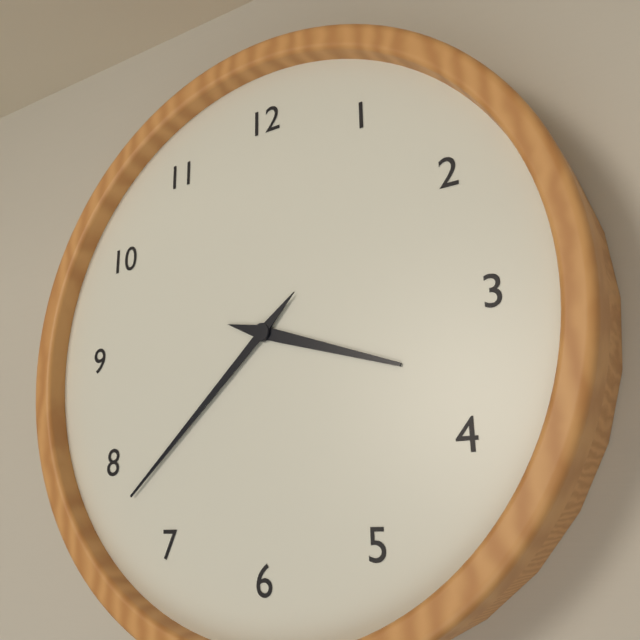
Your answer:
{"hour": 3, "minute": 38}
